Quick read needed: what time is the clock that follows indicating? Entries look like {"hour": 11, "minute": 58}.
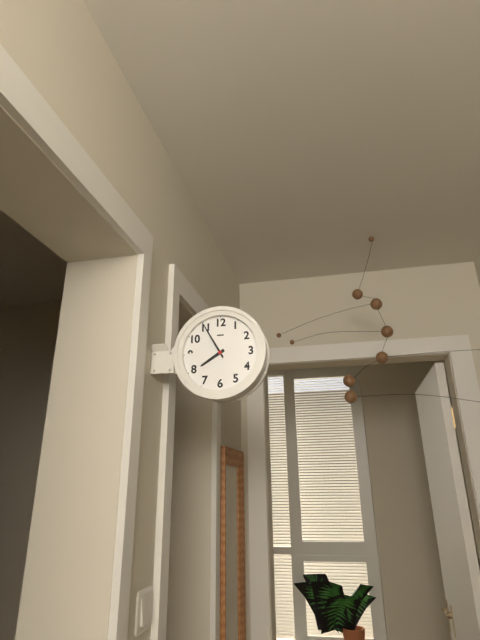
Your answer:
{"hour": 7, "minute": 55}
